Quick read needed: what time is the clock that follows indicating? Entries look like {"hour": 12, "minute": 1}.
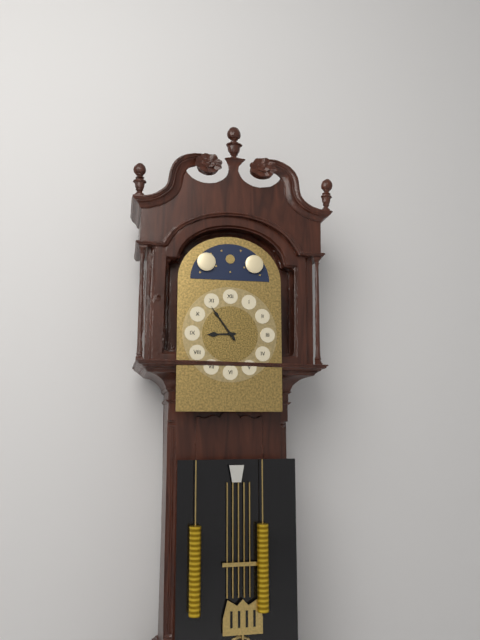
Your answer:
{"hour": 8, "minute": 54}
